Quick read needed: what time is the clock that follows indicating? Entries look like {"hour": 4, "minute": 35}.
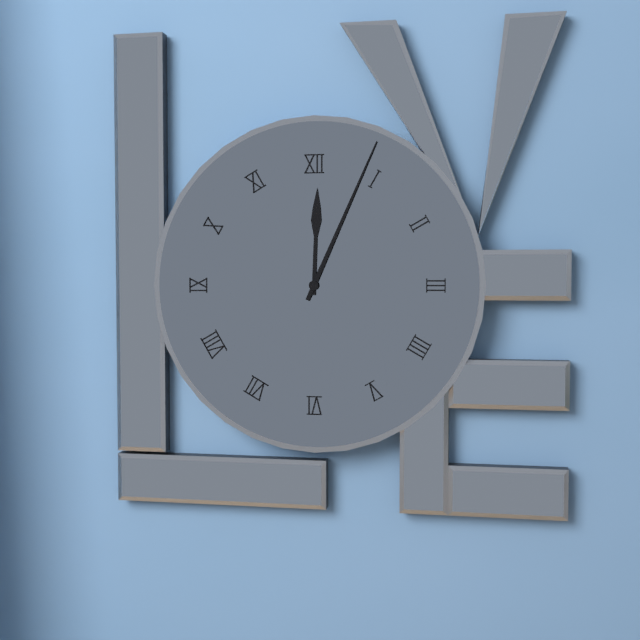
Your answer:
{"hour": 12, "minute": 4}
